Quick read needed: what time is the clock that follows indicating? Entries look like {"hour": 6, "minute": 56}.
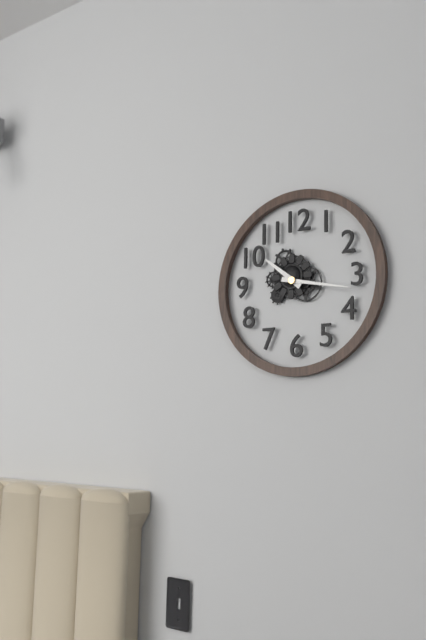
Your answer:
{"hour": 10, "minute": 17}
